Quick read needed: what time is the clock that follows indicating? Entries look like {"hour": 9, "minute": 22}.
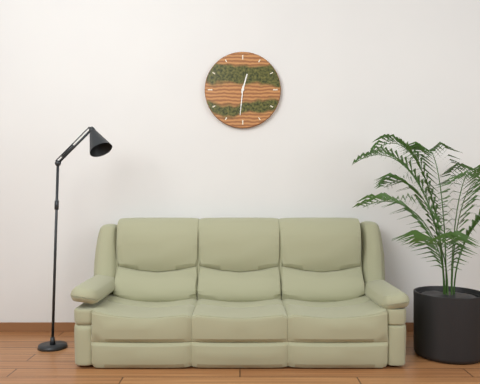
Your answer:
{"hour": 12, "minute": 31}
